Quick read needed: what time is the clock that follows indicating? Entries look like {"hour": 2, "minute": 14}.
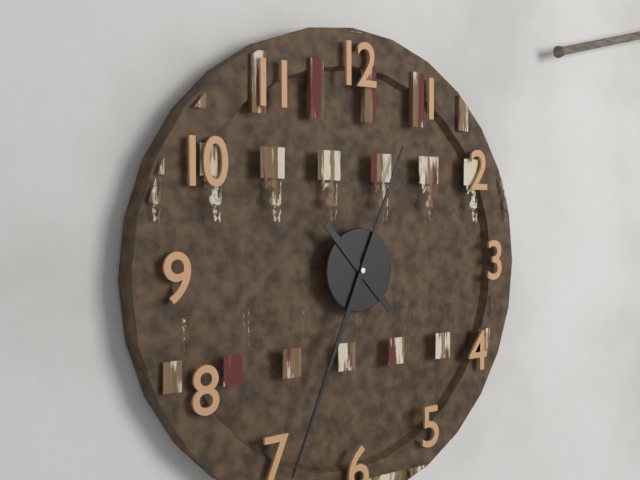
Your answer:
{"hour": 10, "minute": 34}
